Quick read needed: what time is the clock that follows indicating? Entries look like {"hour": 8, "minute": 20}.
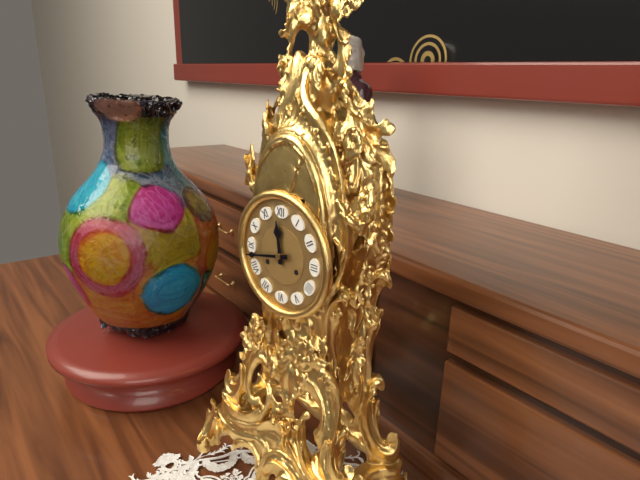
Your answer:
{"hour": 11, "minute": 43}
